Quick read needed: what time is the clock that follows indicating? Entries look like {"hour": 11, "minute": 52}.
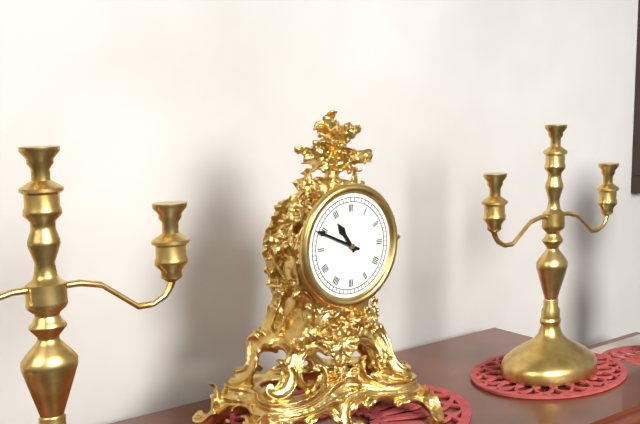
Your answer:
{"hour": 10, "minute": 49}
